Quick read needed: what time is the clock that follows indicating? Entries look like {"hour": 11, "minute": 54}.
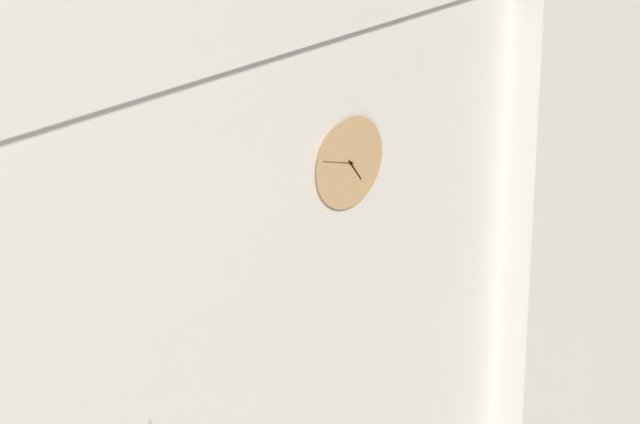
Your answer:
{"hour": 4, "minute": 48}
